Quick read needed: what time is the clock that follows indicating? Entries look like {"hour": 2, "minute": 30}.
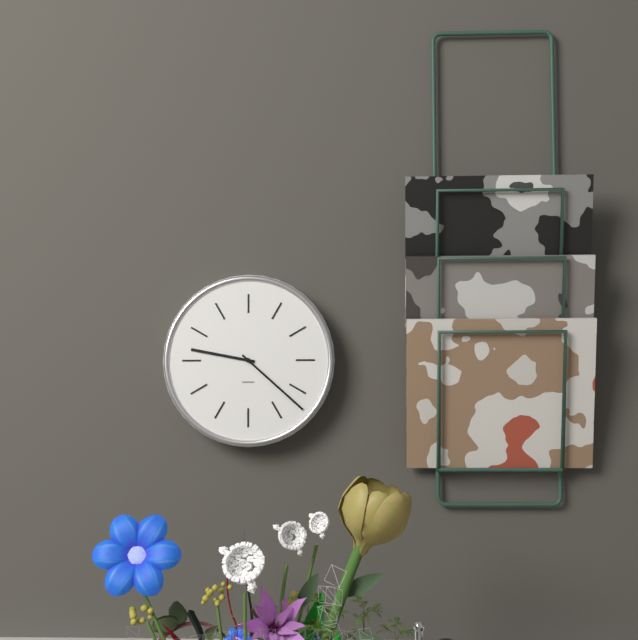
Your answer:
{"hour": 9, "minute": 22}
